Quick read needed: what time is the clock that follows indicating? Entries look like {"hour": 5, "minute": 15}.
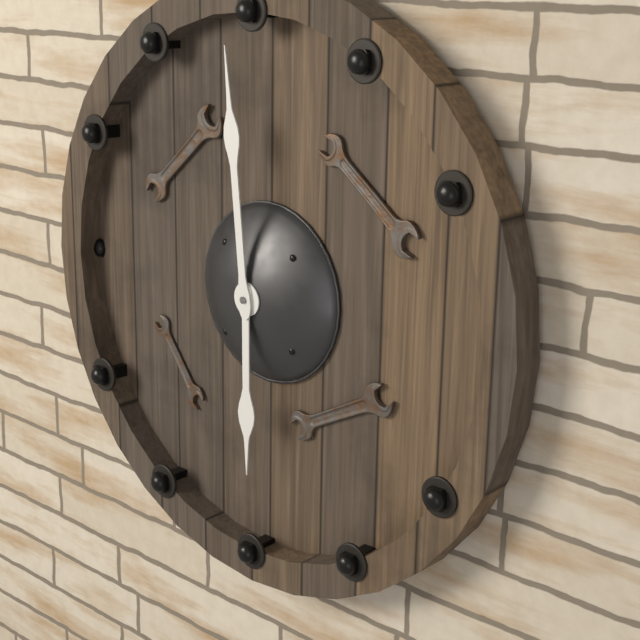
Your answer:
{"hour": 5, "minute": 59}
